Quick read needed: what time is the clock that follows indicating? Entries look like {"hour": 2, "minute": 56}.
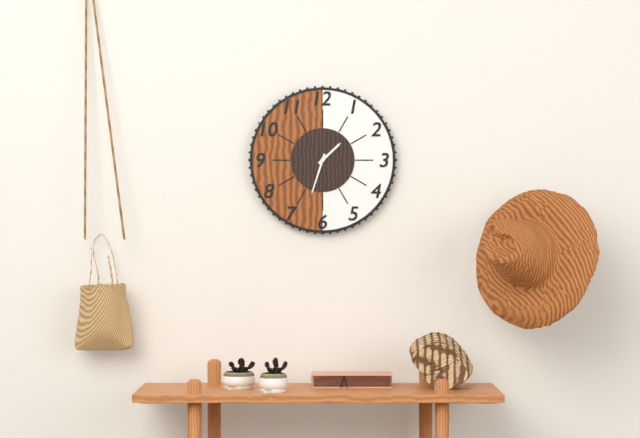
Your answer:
{"hour": 1, "minute": 33}
